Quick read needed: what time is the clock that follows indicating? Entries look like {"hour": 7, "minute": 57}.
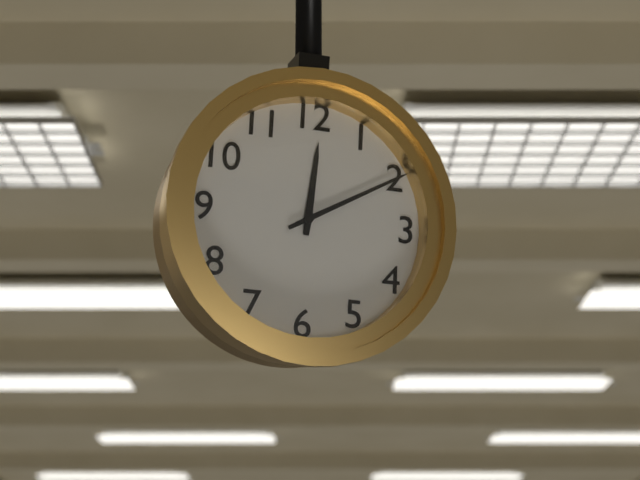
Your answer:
{"hour": 12, "minute": 10}
